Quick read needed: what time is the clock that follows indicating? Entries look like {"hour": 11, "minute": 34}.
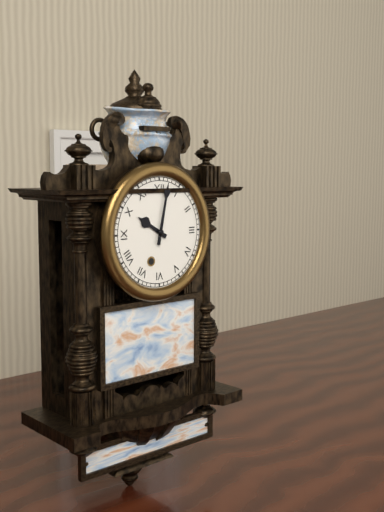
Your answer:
{"hour": 10, "minute": 2}
